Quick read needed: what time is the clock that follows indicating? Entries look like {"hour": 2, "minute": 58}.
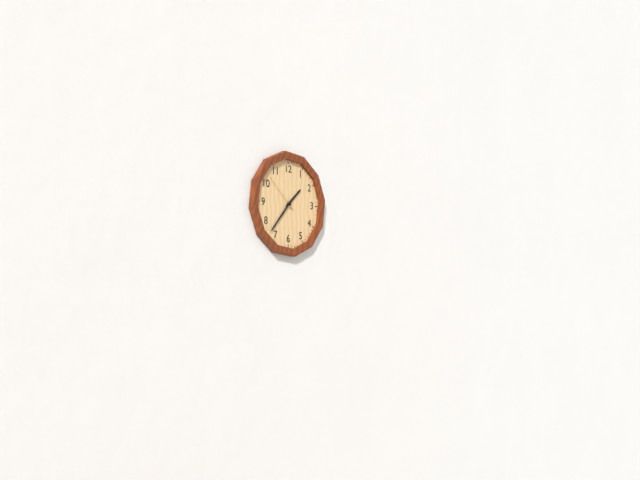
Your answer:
{"hour": 1, "minute": 37}
